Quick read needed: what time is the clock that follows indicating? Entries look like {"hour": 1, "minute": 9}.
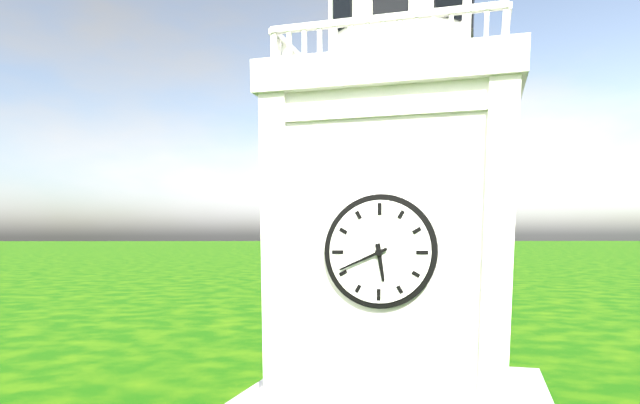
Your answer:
{"hour": 5, "minute": 41}
